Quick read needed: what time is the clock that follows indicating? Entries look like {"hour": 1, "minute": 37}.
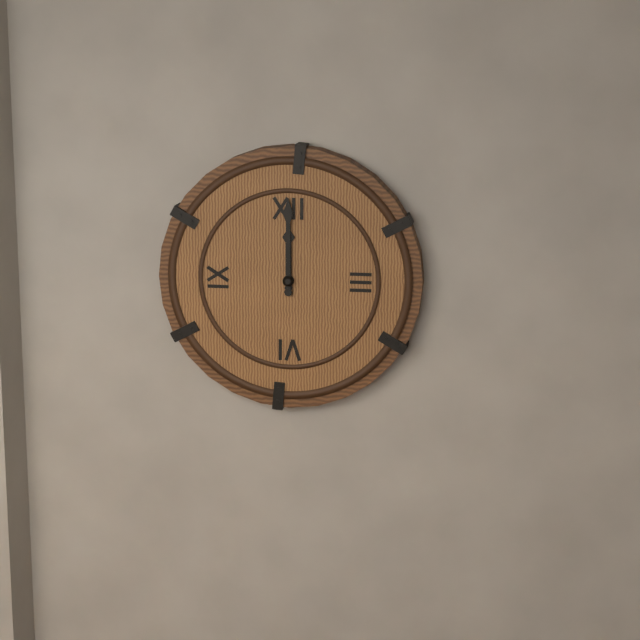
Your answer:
{"hour": 12, "minute": 0}
